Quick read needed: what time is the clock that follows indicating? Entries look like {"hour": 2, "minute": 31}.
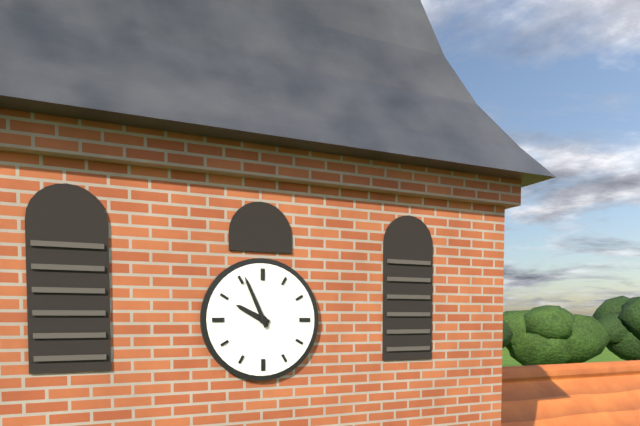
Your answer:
{"hour": 9, "minute": 56}
